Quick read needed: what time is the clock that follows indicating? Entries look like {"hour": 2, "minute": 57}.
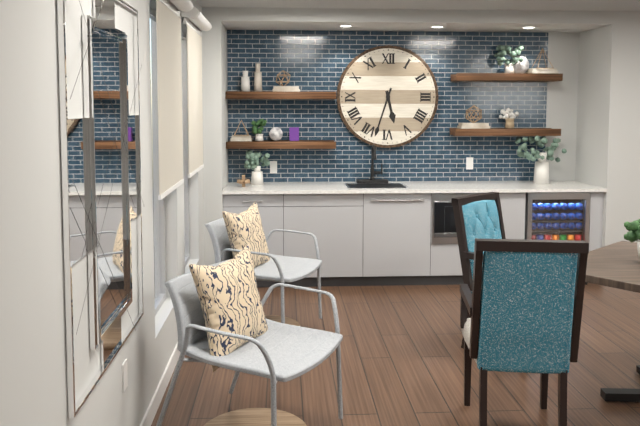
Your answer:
{"hour": 5, "minute": 33}
